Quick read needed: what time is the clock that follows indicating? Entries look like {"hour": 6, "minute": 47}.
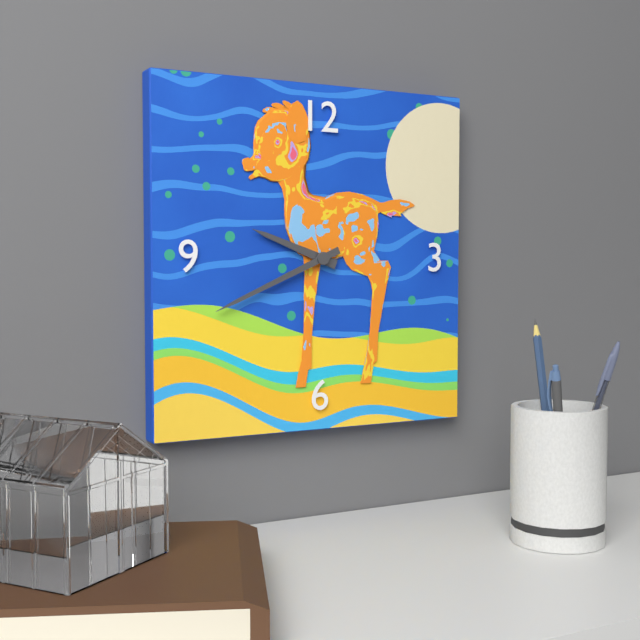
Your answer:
{"hour": 9, "minute": 41}
